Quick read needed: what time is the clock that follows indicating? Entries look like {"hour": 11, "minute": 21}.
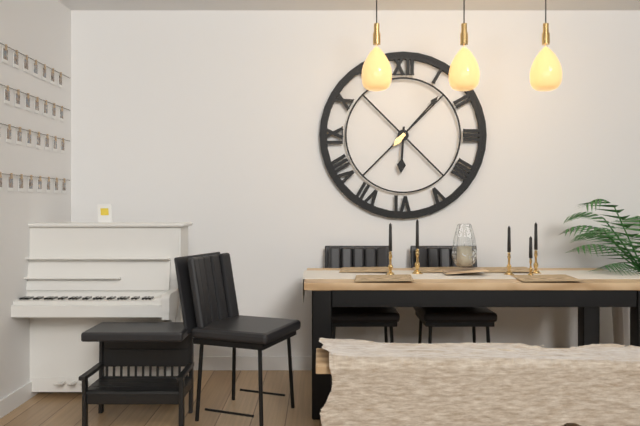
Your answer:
{"hour": 6, "minute": 7}
